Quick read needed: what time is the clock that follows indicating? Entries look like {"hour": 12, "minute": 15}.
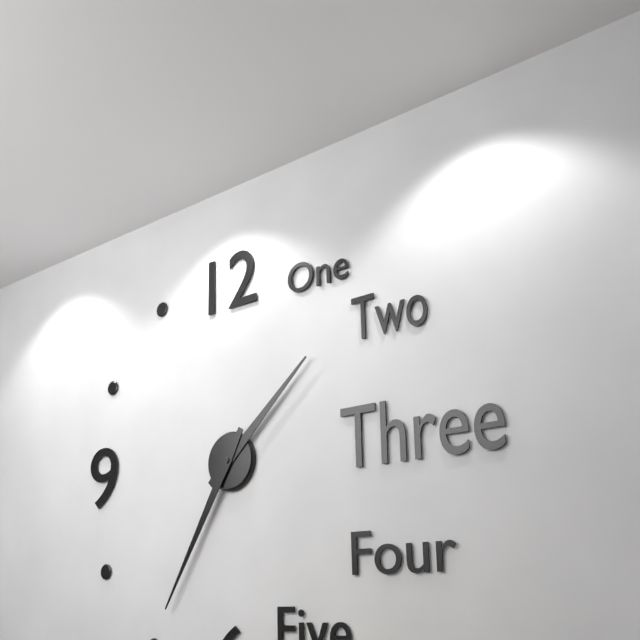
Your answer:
{"hour": 1, "minute": 35}
